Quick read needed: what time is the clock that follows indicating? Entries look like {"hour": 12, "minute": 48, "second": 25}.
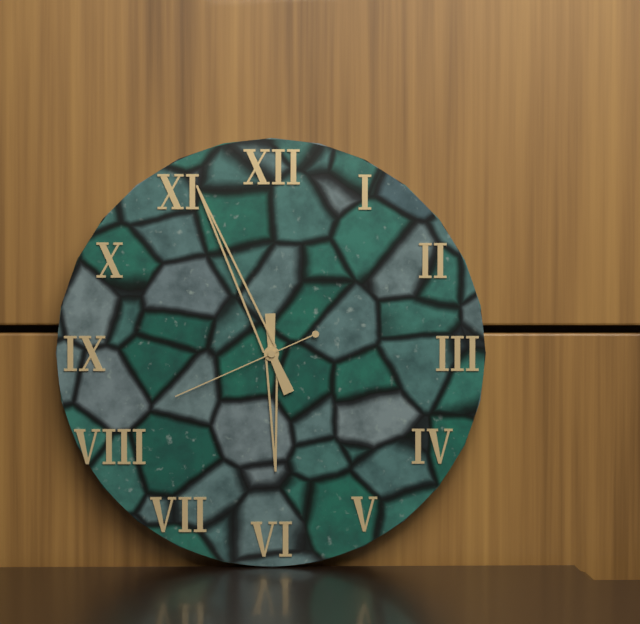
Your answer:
{"hour": 5, "minute": 56, "second": 41}
